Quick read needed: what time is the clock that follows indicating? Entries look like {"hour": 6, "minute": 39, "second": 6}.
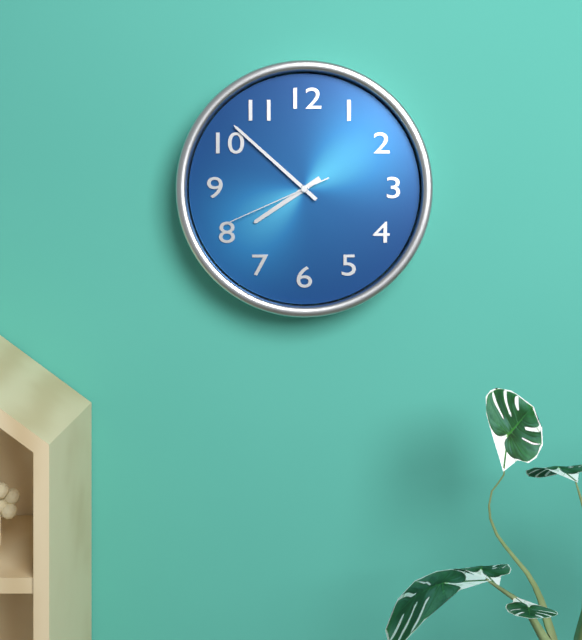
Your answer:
{"hour": 7, "minute": 52, "second": 41}
